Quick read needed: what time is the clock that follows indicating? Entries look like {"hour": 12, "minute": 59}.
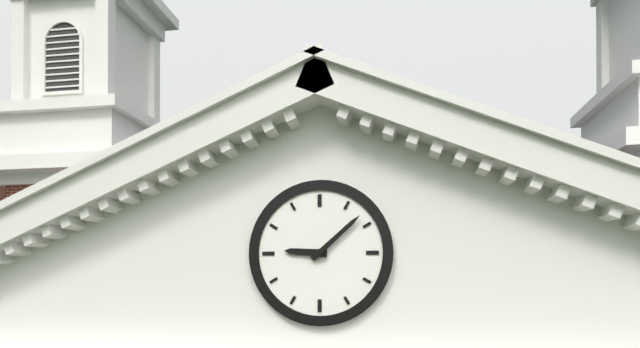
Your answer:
{"hour": 9, "minute": 8}
